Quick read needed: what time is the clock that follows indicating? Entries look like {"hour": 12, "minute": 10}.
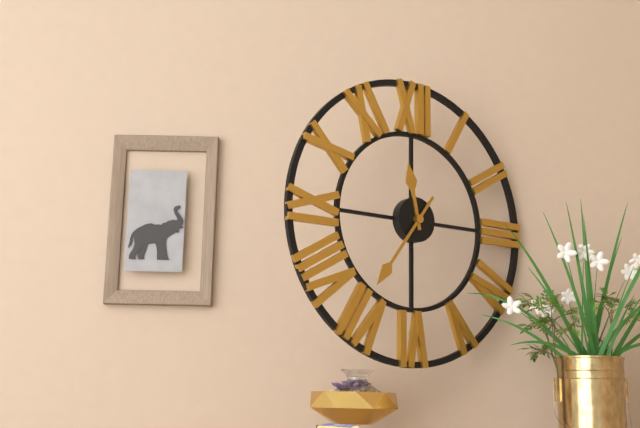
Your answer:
{"hour": 11, "minute": 36}
